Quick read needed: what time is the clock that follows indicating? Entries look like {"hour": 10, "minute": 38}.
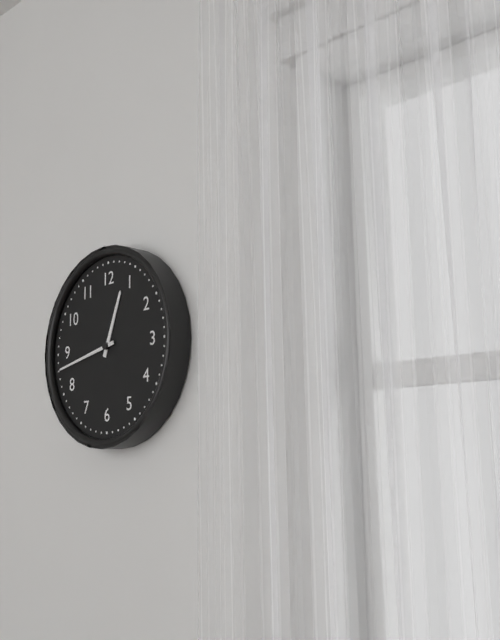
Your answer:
{"hour": 12, "minute": 43}
